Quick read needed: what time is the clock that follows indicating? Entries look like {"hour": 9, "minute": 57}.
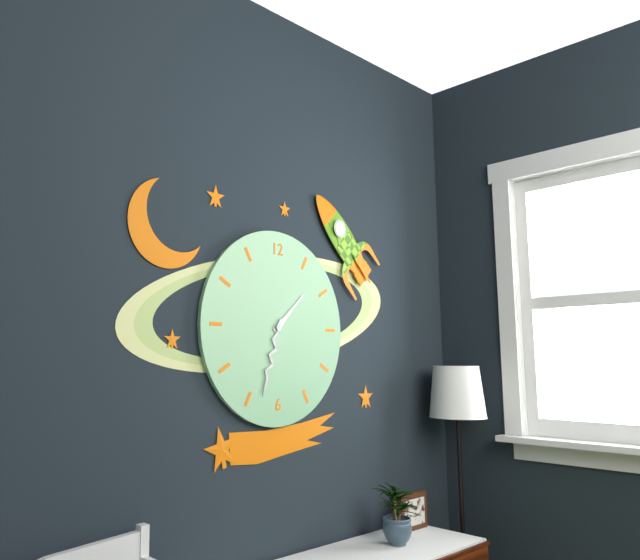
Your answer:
{"hour": 1, "minute": 33}
